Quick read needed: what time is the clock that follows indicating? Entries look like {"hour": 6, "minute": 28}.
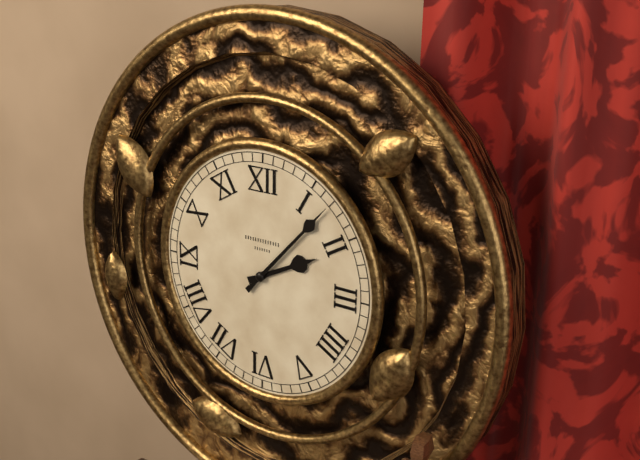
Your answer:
{"hour": 2, "minute": 7}
